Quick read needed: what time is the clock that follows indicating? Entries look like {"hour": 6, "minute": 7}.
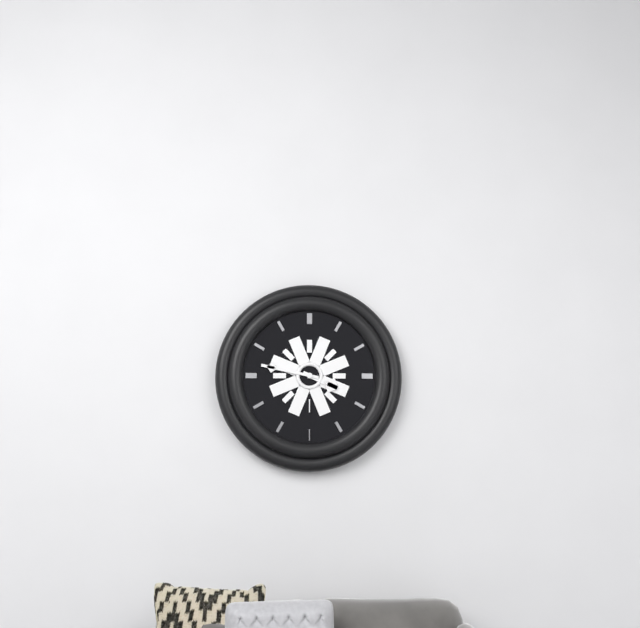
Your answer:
{"hour": 3, "minute": 47}
